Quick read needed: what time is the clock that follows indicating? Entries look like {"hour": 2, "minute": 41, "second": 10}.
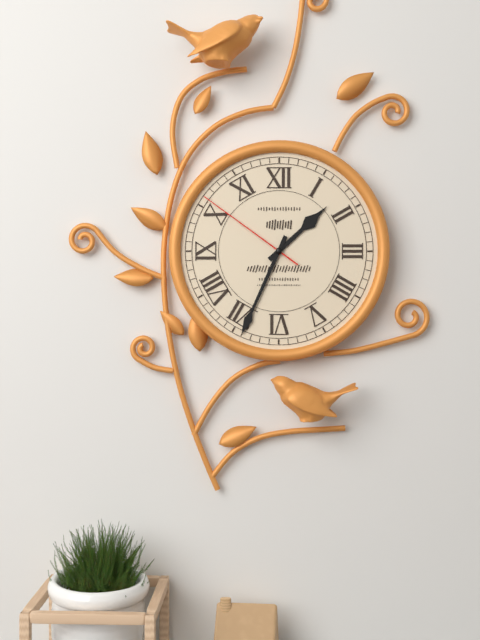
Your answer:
{"hour": 1, "minute": 34, "second": 51}
